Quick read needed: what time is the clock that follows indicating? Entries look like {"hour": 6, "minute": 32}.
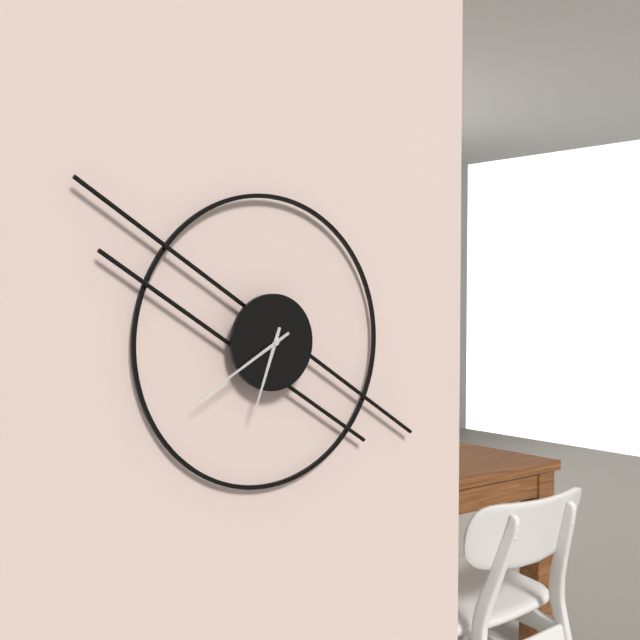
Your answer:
{"hour": 6, "minute": 40}
